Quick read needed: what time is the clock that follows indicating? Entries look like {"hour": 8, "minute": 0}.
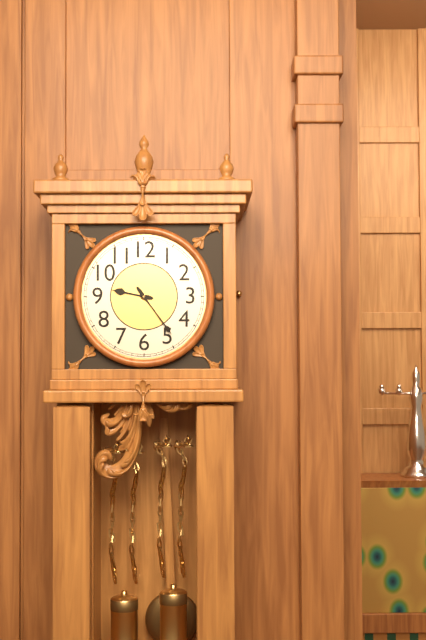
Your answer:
{"hour": 9, "minute": 24}
